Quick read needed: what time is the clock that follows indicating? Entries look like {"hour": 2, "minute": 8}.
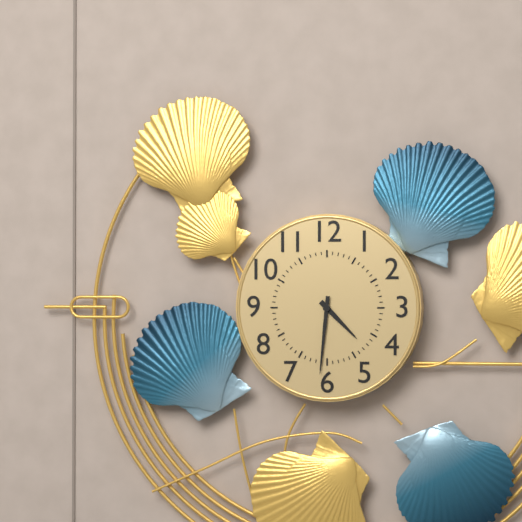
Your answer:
{"hour": 4, "minute": 31}
